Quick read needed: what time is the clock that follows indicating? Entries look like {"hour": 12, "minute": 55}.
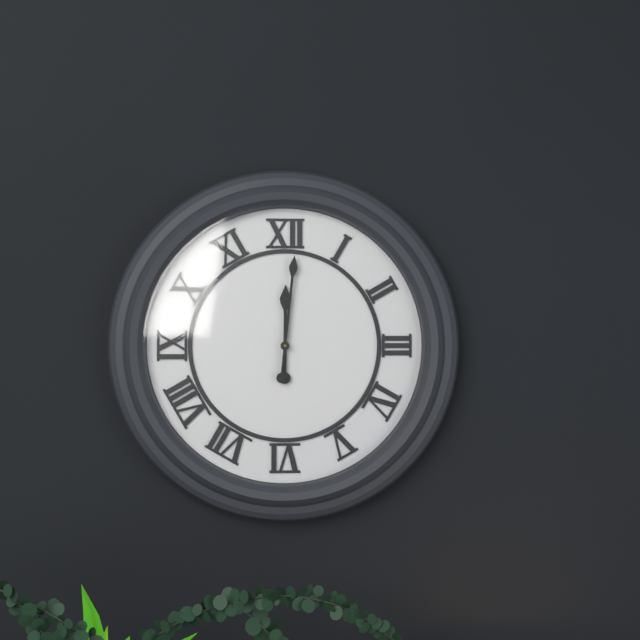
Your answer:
{"hour": 12, "minute": 1}
